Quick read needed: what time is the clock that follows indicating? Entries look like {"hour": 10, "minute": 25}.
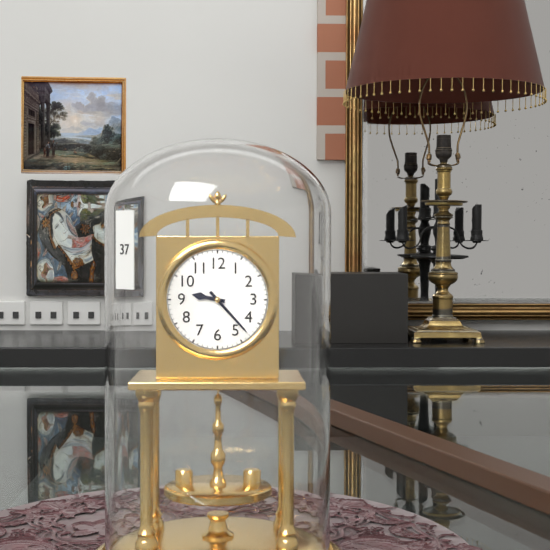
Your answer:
{"hour": 9, "minute": 23}
